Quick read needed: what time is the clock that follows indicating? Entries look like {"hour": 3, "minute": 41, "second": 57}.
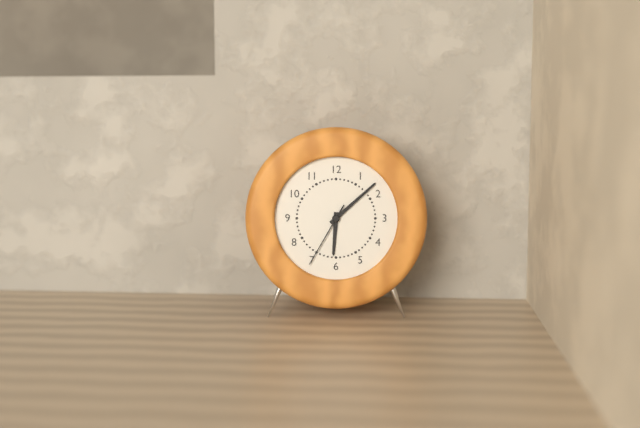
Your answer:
{"hour": 6, "minute": 8, "second": 35}
